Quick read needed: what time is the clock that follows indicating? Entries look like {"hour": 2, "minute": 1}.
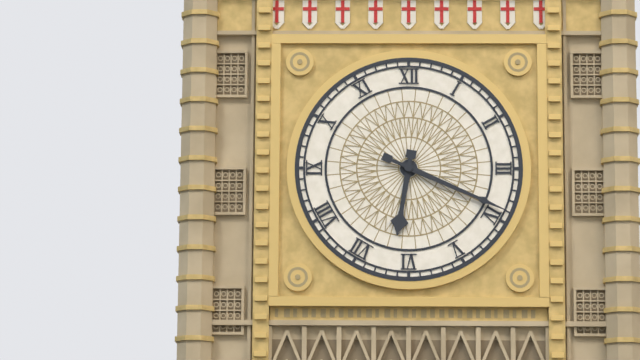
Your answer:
{"hour": 6, "minute": 19}
